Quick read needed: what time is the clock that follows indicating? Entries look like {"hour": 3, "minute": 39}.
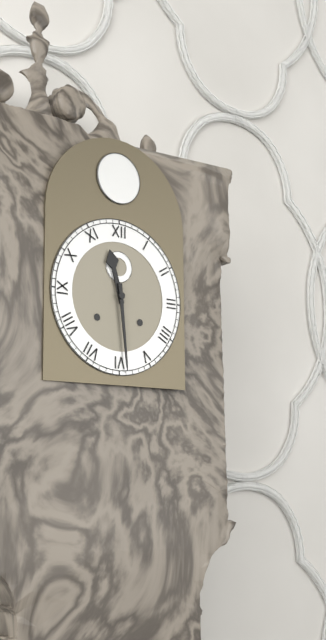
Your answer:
{"hour": 11, "minute": 29}
